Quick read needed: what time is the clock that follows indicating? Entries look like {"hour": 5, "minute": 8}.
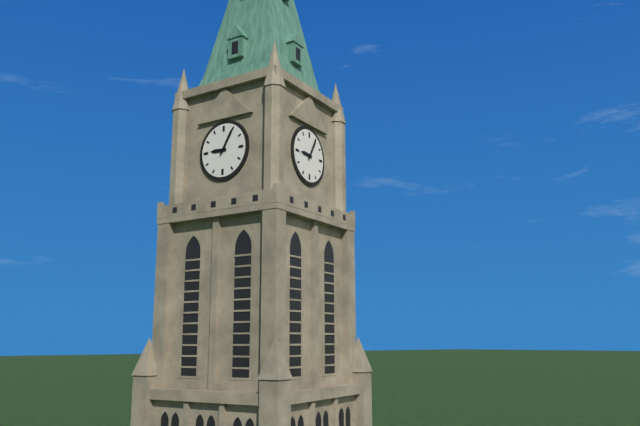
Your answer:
{"hour": 9, "minute": 5}
